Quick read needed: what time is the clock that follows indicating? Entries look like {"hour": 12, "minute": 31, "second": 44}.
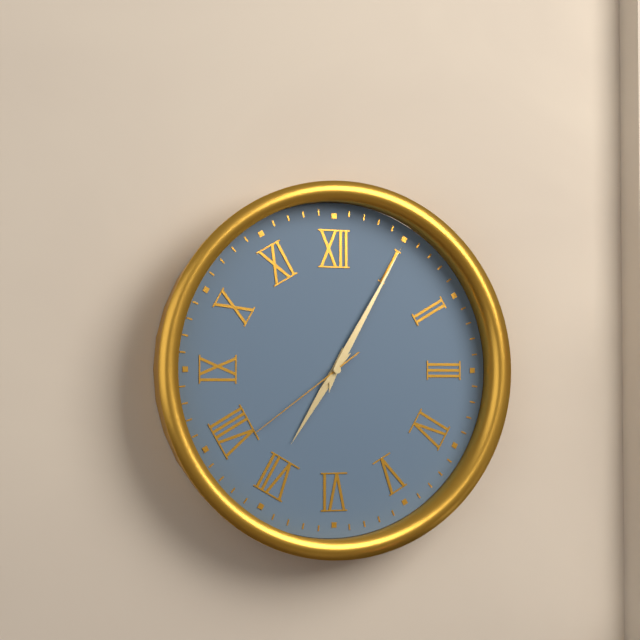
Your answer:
{"hour": 7, "minute": 5, "second": 39}
